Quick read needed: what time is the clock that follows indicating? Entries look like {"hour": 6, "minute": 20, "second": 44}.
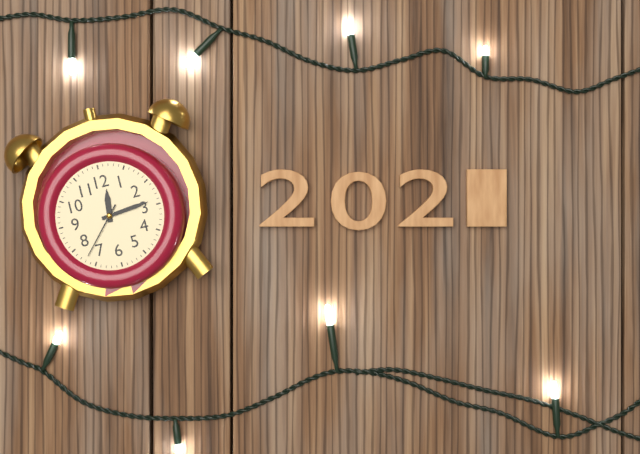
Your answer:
{"hour": 12, "minute": 14, "second": 37}
